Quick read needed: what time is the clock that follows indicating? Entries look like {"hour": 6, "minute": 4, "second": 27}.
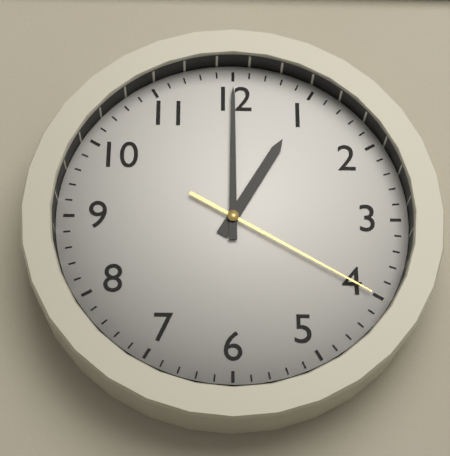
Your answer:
{"hour": 1, "minute": 0, "second": 20}
